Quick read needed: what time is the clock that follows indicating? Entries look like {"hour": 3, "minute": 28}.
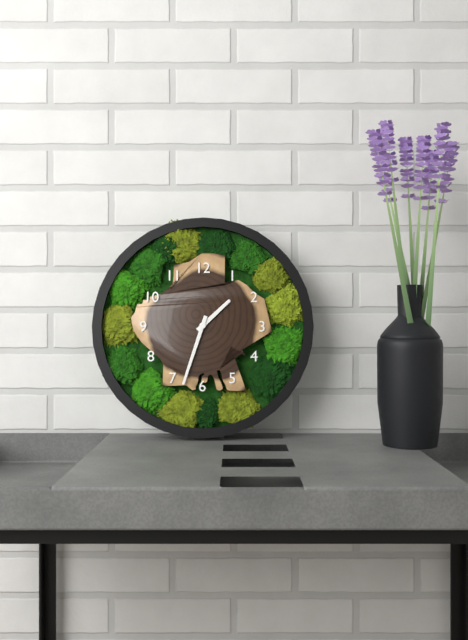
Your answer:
{"hour": 1, "minute": 33}
